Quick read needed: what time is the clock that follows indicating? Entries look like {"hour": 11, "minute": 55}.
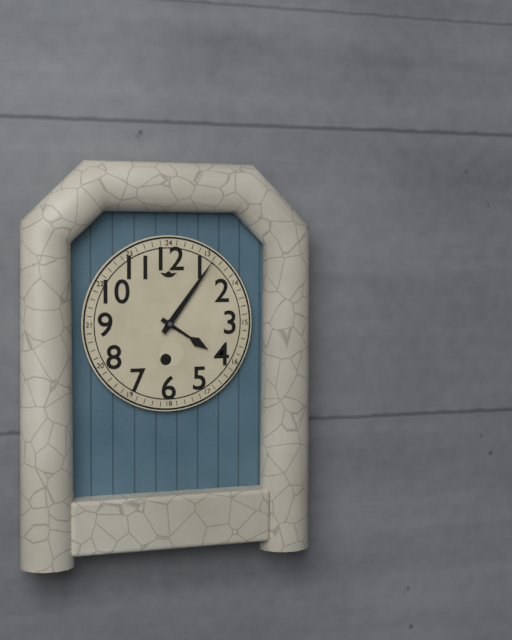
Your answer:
{"hour": 4, "minute": 6}
